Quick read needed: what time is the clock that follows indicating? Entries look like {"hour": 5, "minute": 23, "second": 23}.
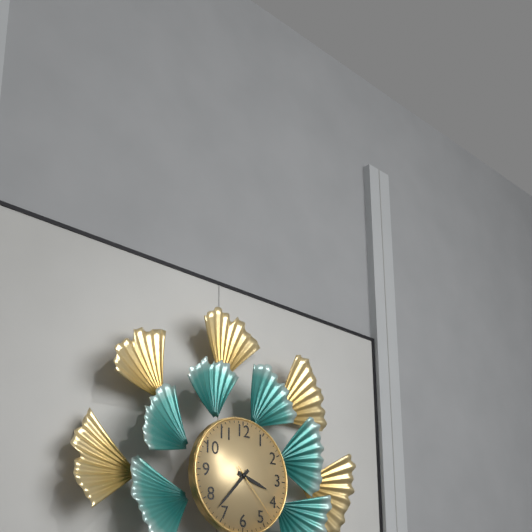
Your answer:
{"hour": 3, "minute": 37, "second": 23}
